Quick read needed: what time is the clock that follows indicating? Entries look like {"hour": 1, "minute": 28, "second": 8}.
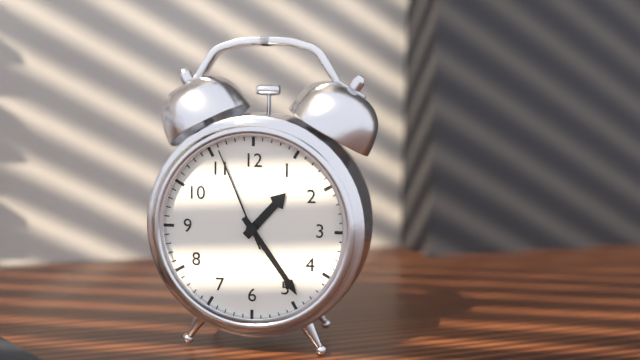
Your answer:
{"hour": 1, "minute": 24, "second": 56}
